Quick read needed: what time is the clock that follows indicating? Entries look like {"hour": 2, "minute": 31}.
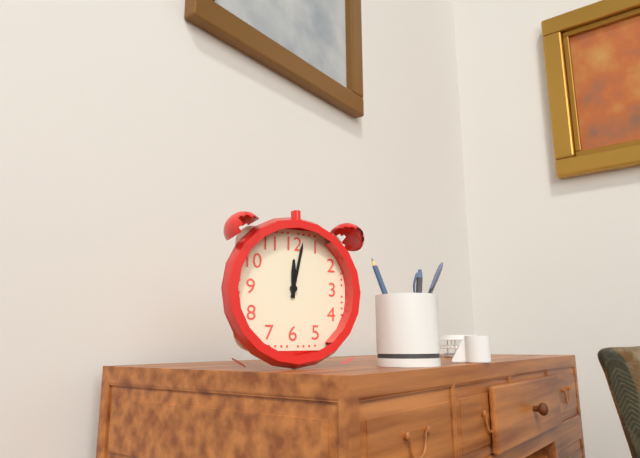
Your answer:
{"hour": 12, "minute": 2}
